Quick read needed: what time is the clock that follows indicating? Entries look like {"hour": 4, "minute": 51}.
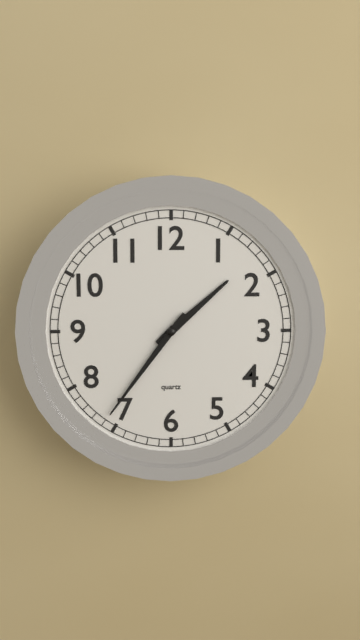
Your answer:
{"hour": 1, "minute": 36}
